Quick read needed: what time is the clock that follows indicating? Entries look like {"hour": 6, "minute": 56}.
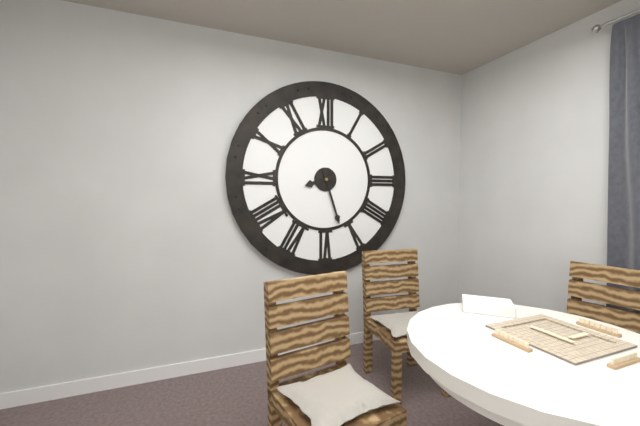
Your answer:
{"hour": 8, "minute": 27}
